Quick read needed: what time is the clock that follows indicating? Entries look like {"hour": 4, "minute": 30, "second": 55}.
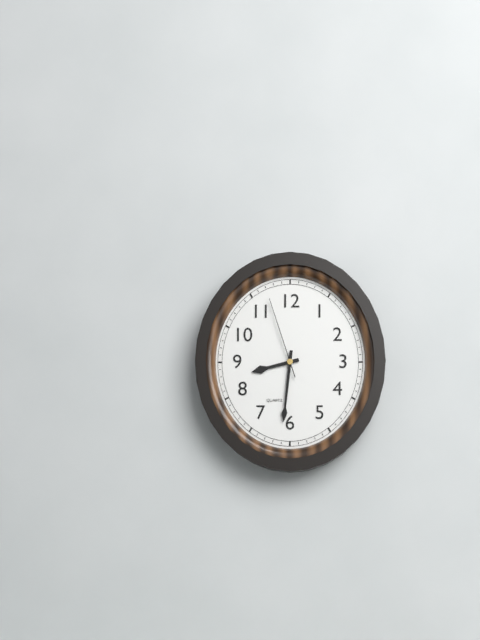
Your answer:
{"hour": 8, "minute": 31, "second": 57}
